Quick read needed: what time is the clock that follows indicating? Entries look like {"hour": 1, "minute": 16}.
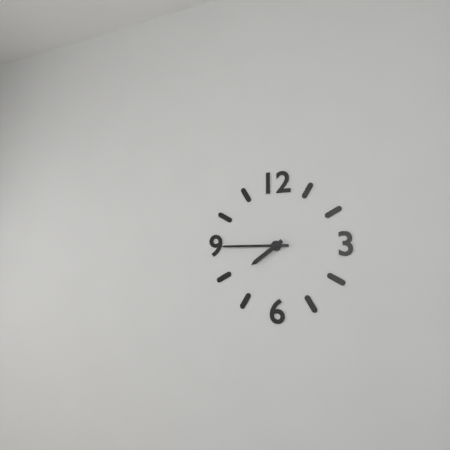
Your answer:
{"hour": 7, "minute": 45}
